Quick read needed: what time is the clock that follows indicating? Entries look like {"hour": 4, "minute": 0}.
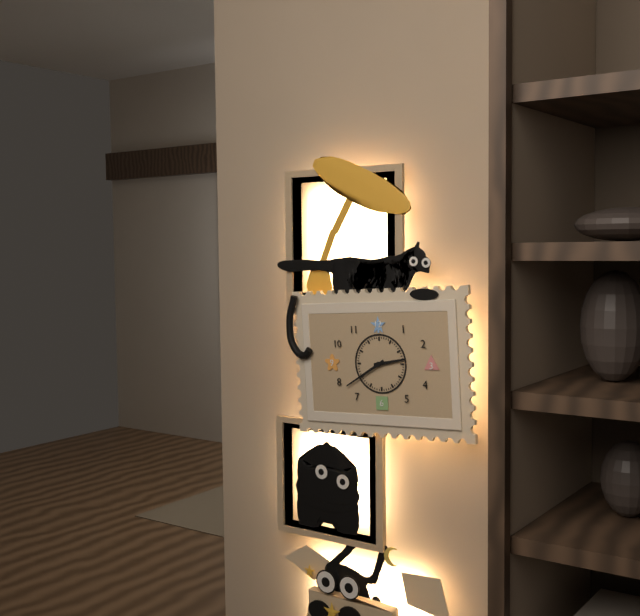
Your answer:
{"hour": 2, "minute": 40}
